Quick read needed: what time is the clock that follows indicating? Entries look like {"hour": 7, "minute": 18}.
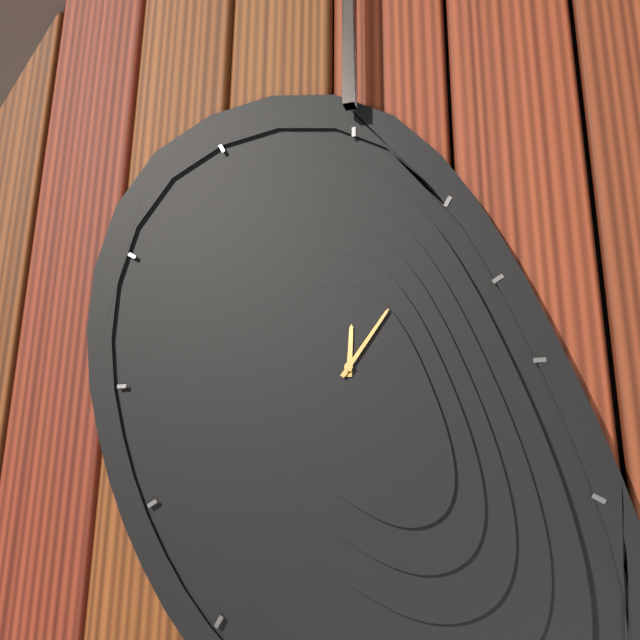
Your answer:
{"hour": 12, "minute": 6}
